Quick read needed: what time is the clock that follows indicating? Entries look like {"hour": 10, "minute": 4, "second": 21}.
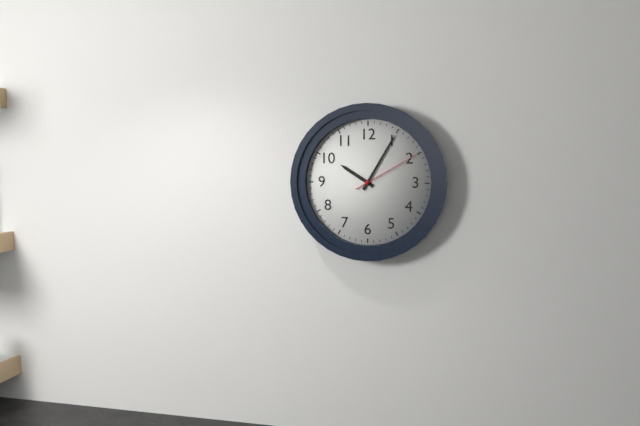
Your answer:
{"hour": 10, "minute": 5, "second": 10}
